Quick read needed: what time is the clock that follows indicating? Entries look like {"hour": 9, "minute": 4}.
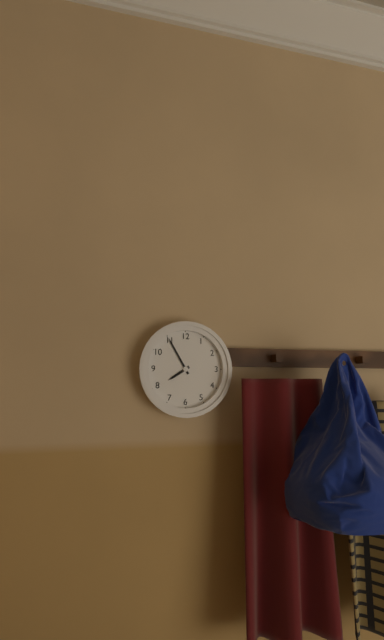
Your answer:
{"hour": 7, "minute": 55}
